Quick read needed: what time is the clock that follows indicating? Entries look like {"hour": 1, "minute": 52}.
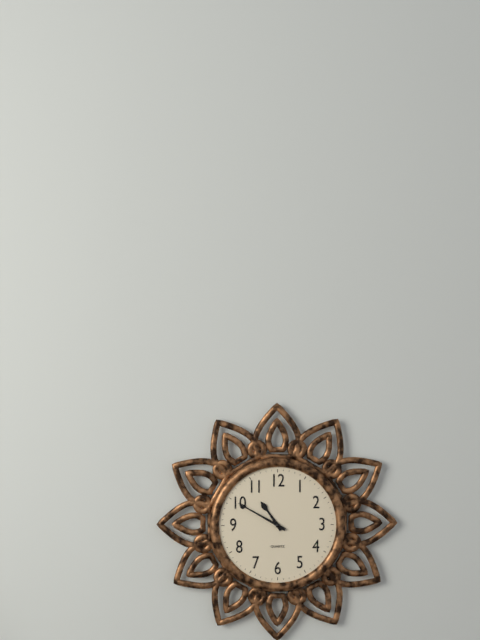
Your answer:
{"hour": 10, "minute": 50}
